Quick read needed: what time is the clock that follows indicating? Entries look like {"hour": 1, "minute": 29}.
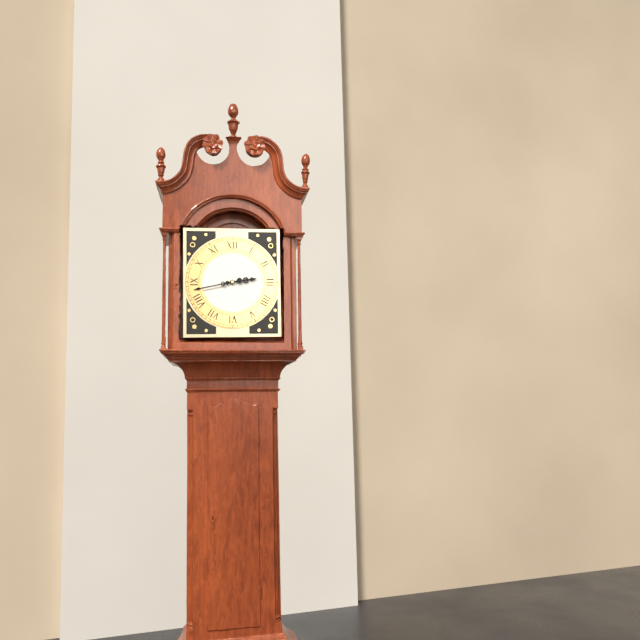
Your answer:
{"hour": 2, "minute": 43}
